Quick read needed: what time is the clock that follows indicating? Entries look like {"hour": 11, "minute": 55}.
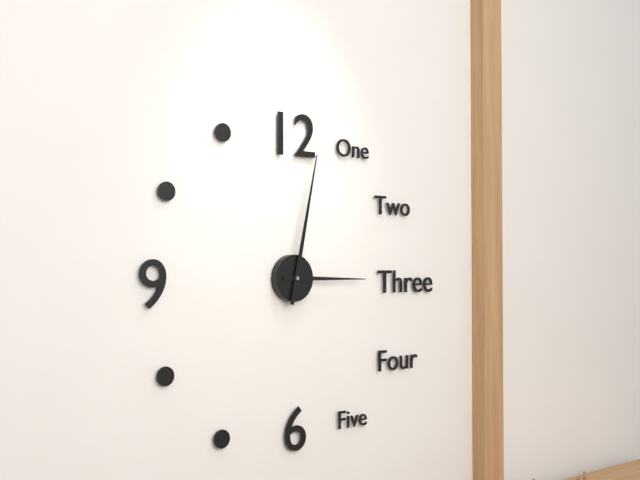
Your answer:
{"hour": 3, "minute": 2}
